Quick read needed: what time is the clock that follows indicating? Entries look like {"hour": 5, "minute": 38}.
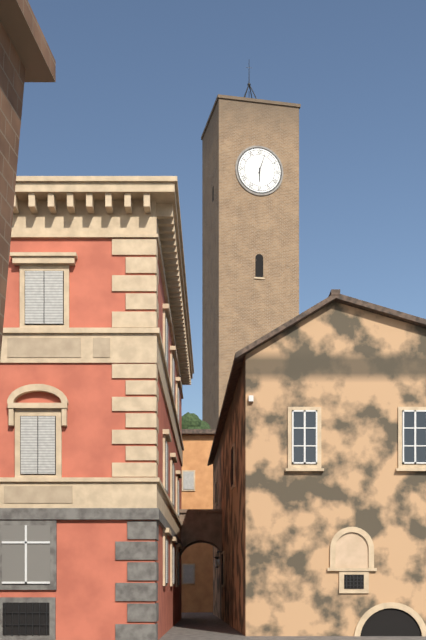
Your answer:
{"hour": 6, "minute": 3}
